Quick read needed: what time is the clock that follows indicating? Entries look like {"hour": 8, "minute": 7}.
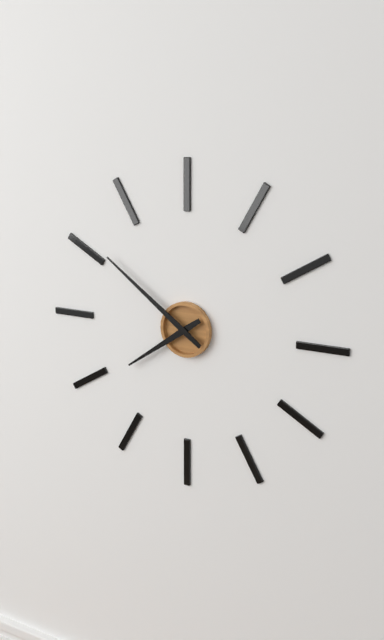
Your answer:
{"hour": 7, "minute": 51}
